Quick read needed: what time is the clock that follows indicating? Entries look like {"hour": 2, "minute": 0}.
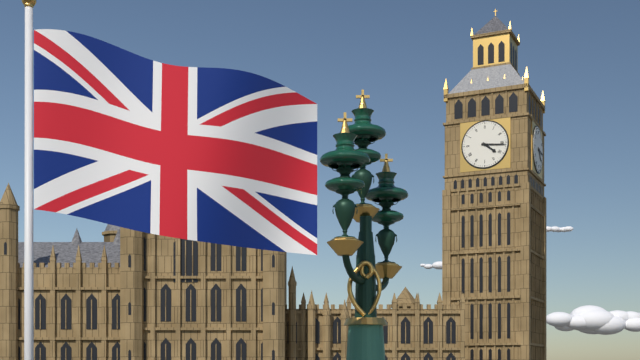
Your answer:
{"hour": 4, "minute": 16}
